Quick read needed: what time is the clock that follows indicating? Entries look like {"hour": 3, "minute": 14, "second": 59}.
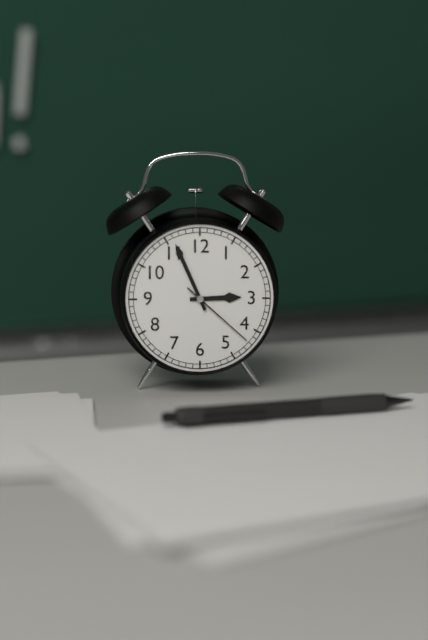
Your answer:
{"hour": 2, "minute": 56, "second": 22}
